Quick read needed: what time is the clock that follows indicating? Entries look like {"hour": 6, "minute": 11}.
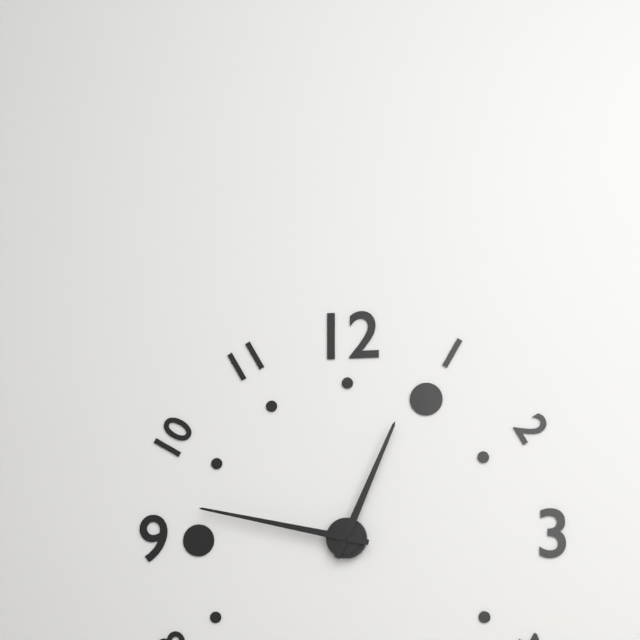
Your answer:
{"hour": 12, "minute": 47}
